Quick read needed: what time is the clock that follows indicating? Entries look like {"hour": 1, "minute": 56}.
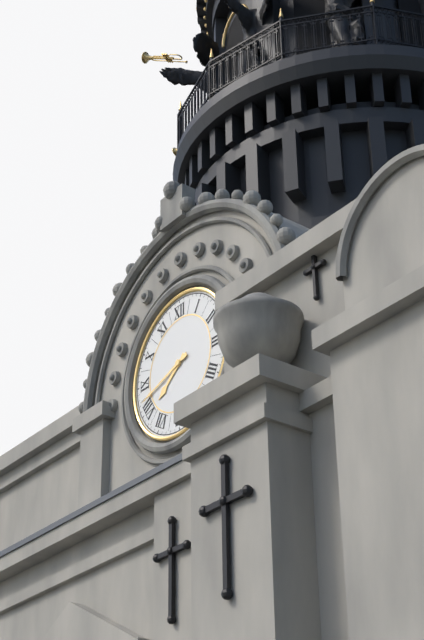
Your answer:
{"hour": 7, "minute": 42}
